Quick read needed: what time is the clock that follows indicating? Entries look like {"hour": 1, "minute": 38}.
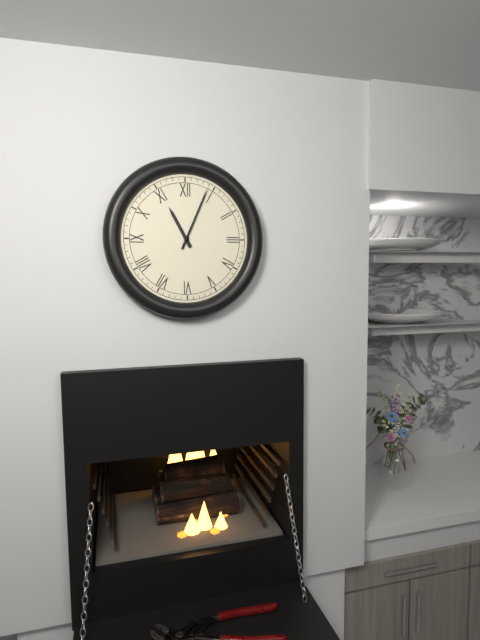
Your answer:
{"hour": 11, "minute": 4}
